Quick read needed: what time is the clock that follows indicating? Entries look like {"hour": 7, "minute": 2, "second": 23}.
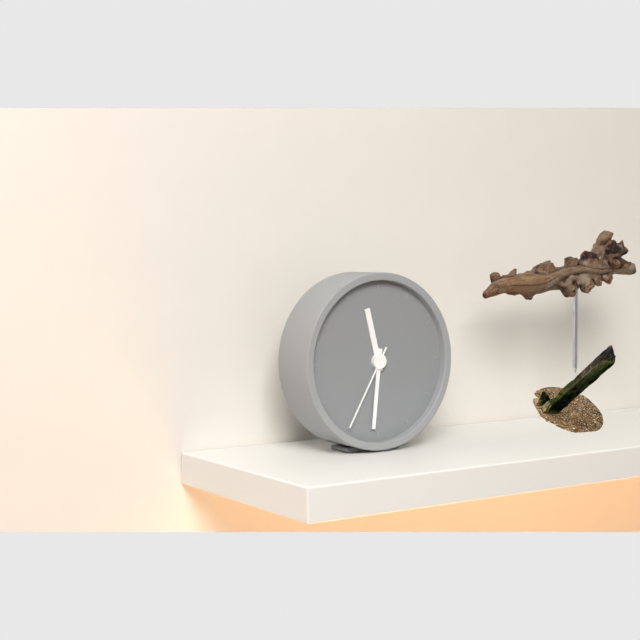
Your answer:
{"hour": 11, "minute": 31, "second": 35}
